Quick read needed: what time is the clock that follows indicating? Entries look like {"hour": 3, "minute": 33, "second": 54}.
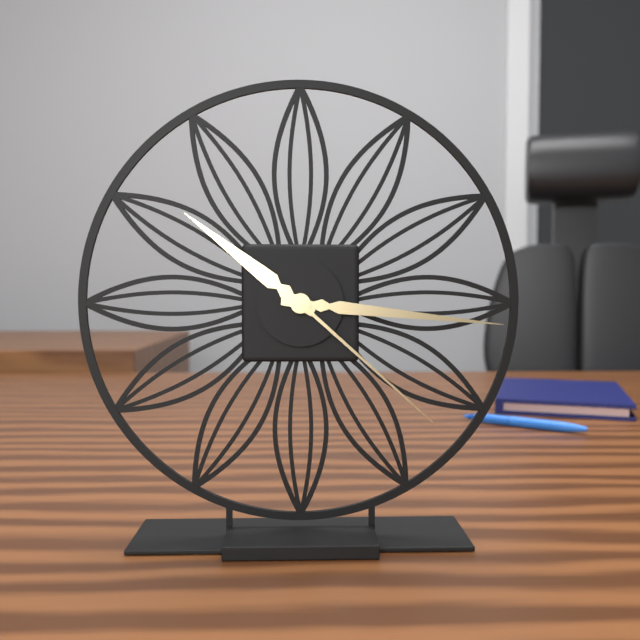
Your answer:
{"hour": 10, "minute": 16, "second": 22}
